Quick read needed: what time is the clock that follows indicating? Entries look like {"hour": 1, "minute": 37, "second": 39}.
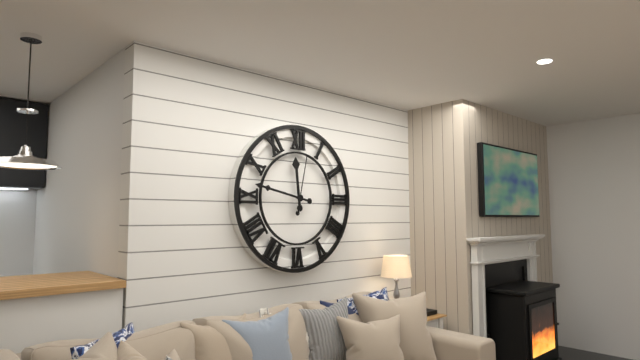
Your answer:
{"hour": 11, "minute": 47, "second": 2}
